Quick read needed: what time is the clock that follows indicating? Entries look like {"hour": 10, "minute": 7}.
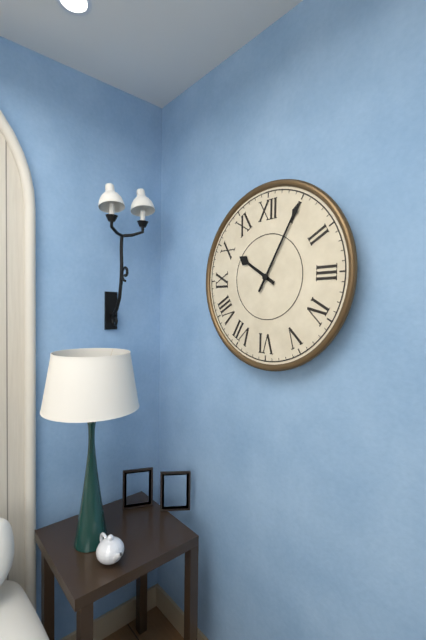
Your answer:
{"hour": 10, "minute": 5}
